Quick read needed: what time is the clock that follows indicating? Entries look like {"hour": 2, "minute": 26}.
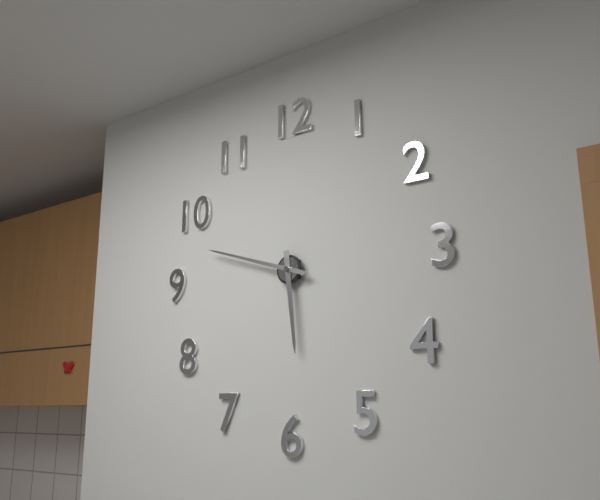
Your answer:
{"hour": 5, "minute": 48}
